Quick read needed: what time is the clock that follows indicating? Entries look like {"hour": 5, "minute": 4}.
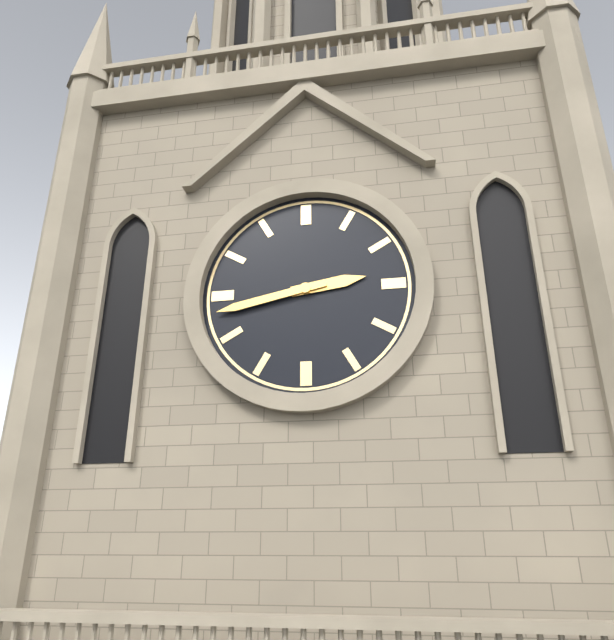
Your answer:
{"hour": 2, "minute": 43}
